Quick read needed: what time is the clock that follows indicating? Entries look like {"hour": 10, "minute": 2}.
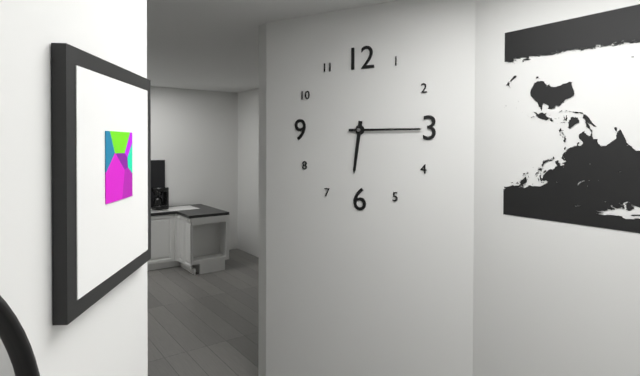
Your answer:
{"hour": 6, "minute": 15}
